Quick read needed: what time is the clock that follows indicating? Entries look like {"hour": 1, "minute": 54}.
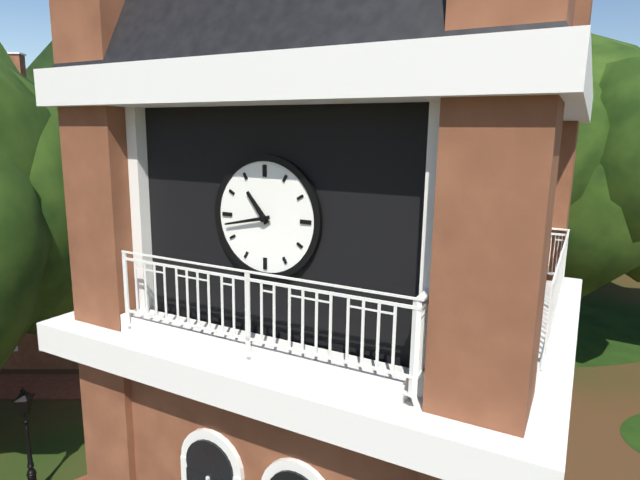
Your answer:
{"hour": 10, "minute": 43}
